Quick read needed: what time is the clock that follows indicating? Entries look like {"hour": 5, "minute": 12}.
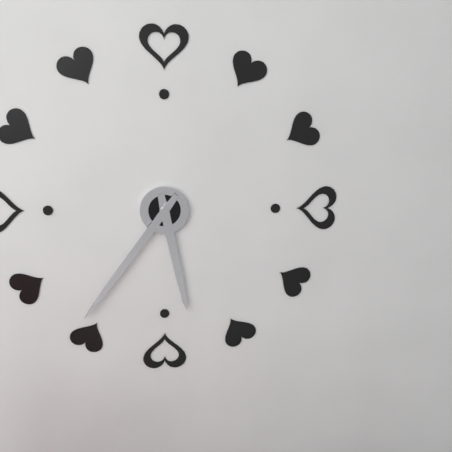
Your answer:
{"hour": 5, "minute": 36}
